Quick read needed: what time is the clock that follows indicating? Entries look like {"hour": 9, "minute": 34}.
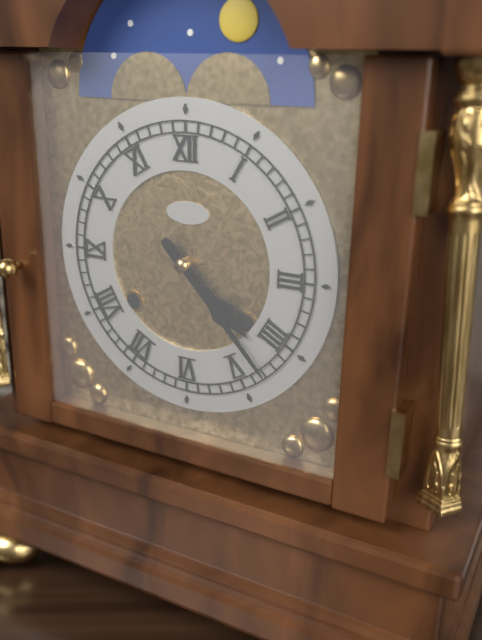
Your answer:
{"hour": 4, "minute": 23}
